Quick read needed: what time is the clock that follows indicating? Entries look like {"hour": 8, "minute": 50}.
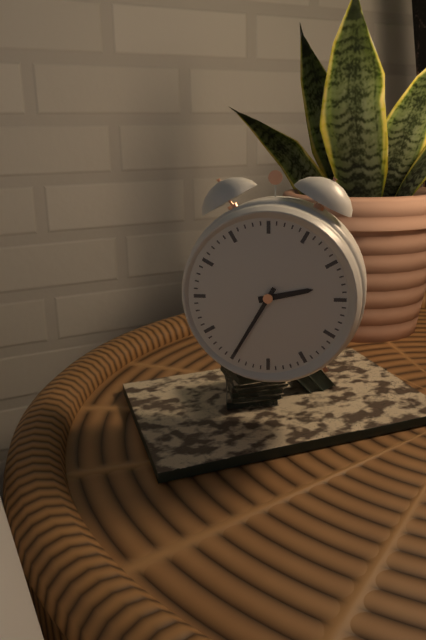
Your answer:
{"hour": 2, "minute": 35}
